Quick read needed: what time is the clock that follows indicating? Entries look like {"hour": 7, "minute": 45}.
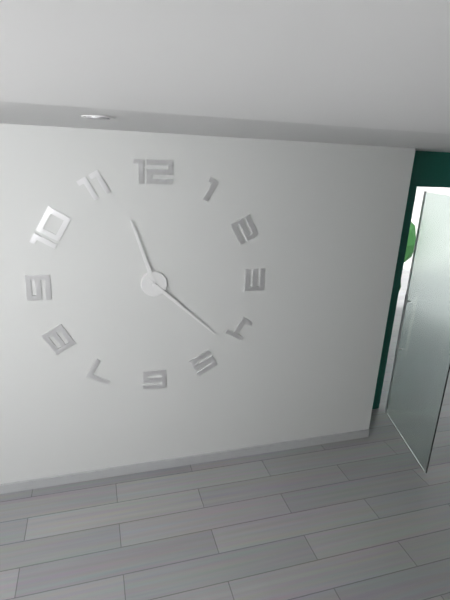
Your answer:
{"hour": 11, "minute": 22}
